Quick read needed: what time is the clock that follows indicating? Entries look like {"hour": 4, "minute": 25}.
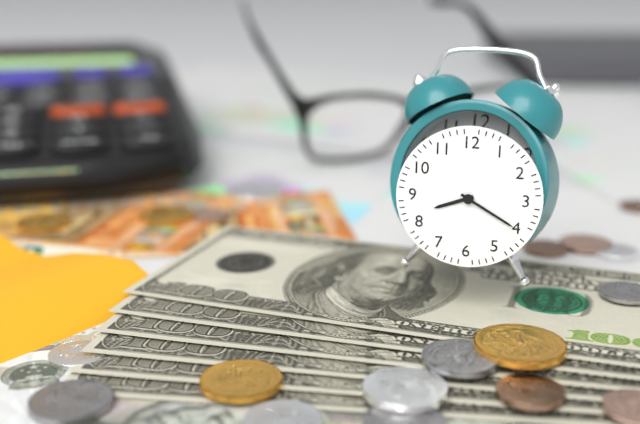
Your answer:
{"hour": 8, "minute": 20}
